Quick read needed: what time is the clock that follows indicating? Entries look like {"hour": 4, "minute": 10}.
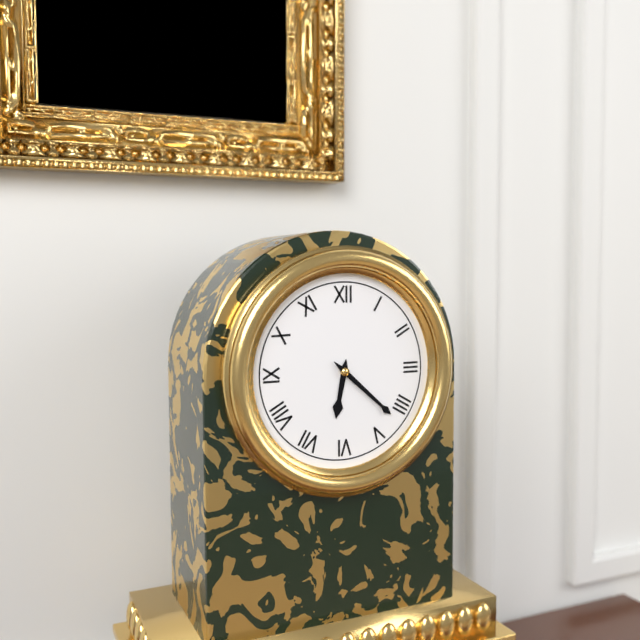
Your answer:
{"hour": 6, "minute": 22}
